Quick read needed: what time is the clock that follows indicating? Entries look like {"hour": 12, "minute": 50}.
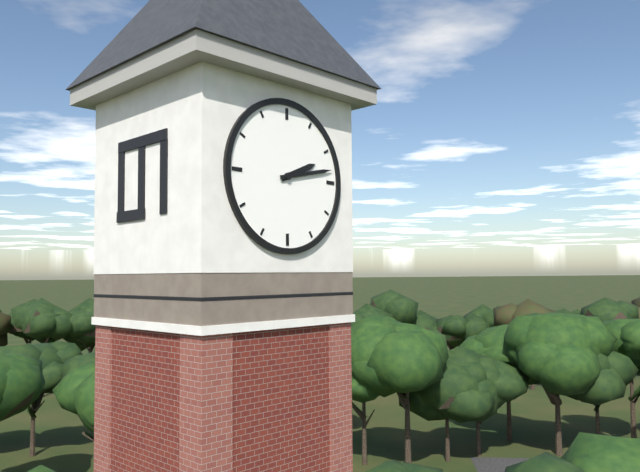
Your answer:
{"hour": 2, "minute": 13}
